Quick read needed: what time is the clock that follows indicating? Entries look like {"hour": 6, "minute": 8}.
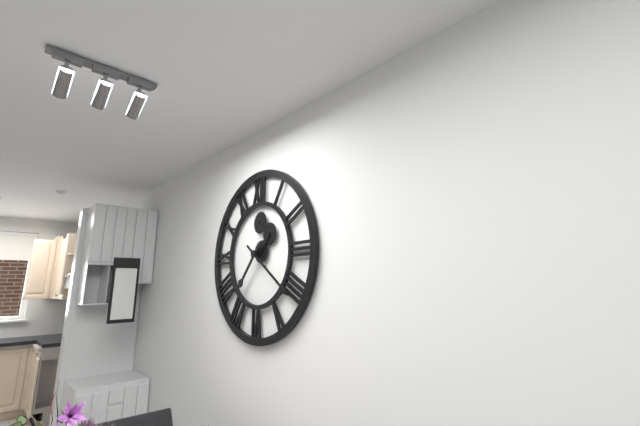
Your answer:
{"hour": 7, "minute": 21}
